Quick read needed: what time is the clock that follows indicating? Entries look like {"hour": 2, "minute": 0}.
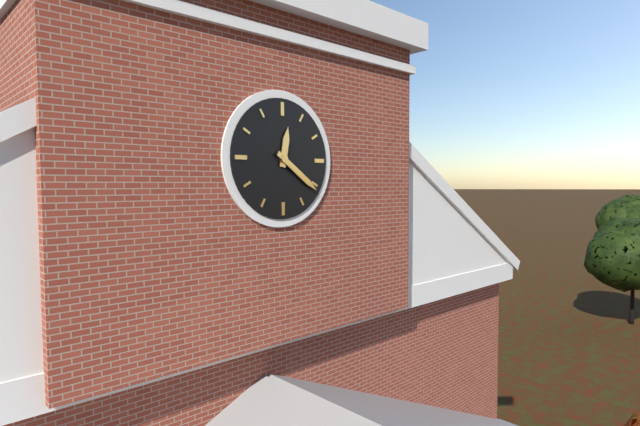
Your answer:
{"hour": 12, "minute": 21}
